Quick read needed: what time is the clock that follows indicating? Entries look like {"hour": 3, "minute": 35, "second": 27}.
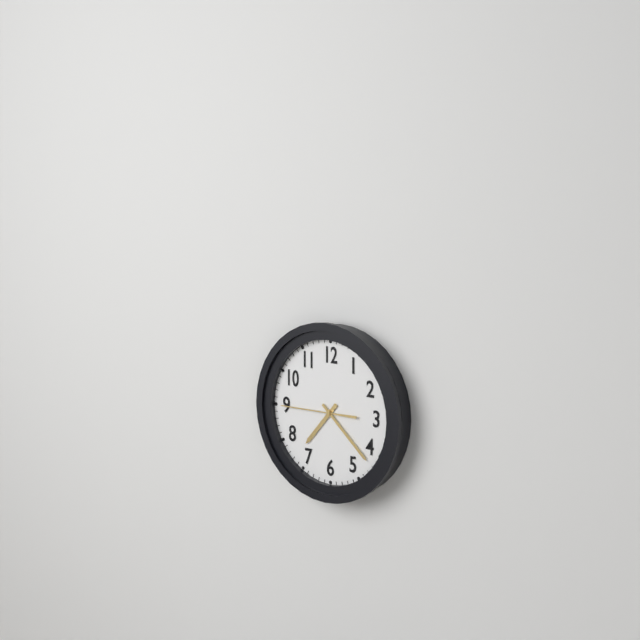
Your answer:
{"hour": 7, "minute": 22, "second": 45}
